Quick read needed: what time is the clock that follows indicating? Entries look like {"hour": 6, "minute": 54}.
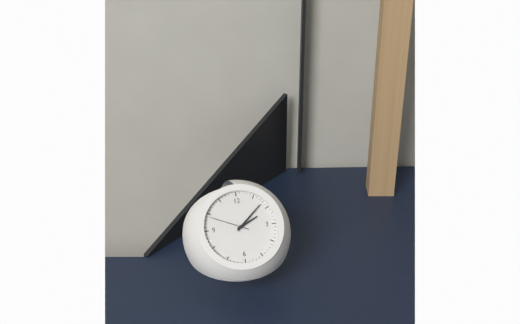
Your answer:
{"hour": 2, "minute": 8}
